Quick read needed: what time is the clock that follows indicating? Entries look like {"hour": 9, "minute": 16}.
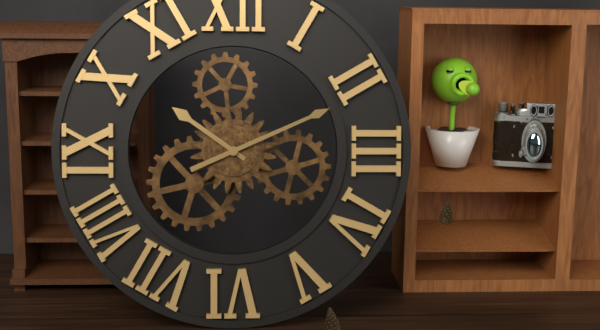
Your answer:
{"hour": 10, "minute": 11}
